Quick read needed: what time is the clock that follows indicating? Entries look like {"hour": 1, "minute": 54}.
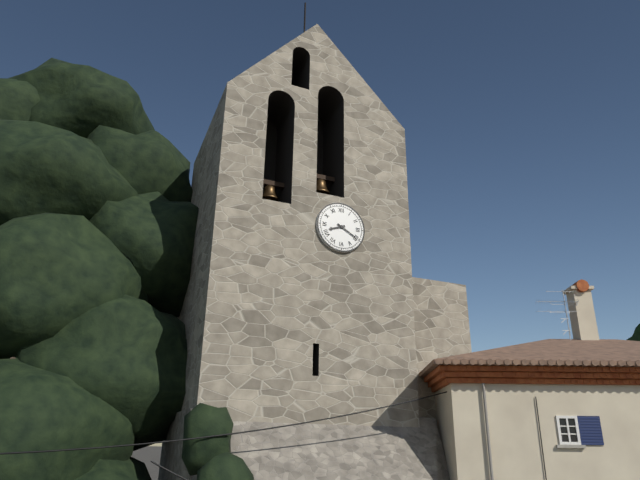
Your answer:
{"hour": 8, "minute": 20}
